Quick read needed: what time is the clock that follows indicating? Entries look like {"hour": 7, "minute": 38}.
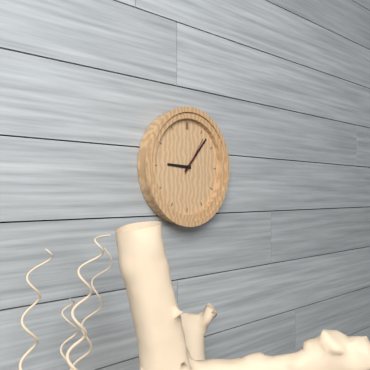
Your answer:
{"hour": 9, "minute": 7}
